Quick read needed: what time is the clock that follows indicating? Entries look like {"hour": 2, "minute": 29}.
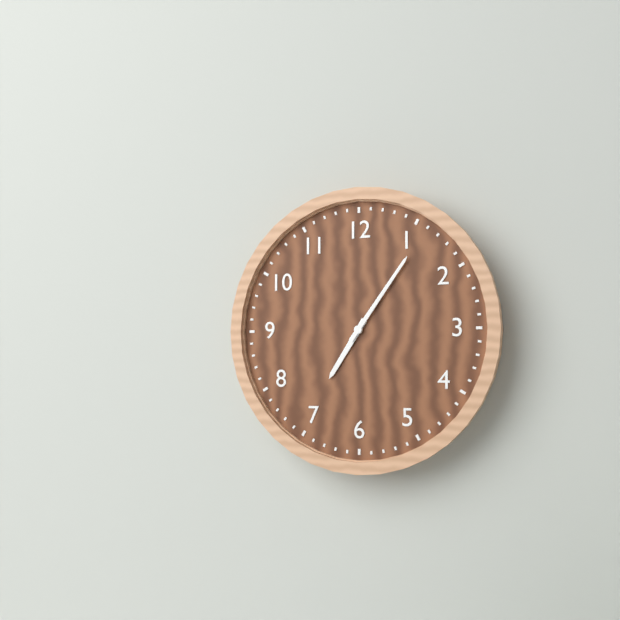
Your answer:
{"hour": 7, "minute": 6}
